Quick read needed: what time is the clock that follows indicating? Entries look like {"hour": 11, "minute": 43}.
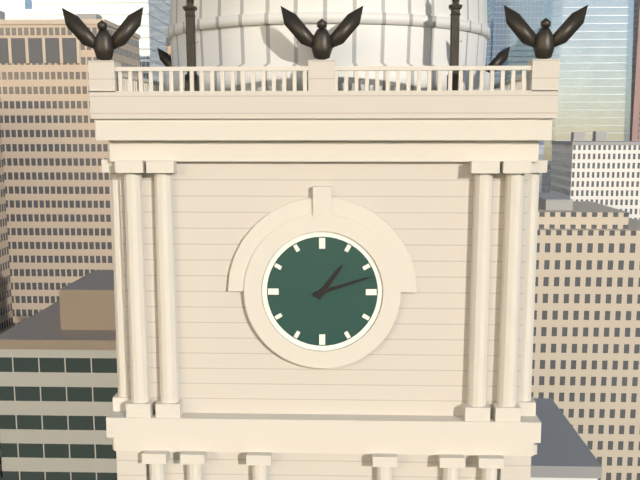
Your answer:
{"hour": 1, "minute": 12}
